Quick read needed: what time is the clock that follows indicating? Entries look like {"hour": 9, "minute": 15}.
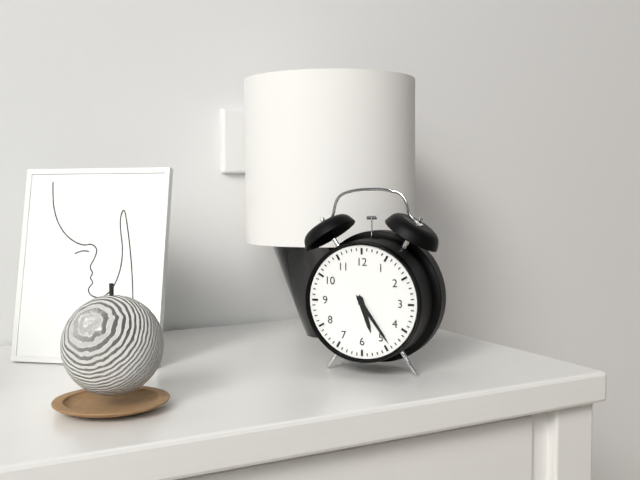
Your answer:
{"hour": 5, "minute": 24}
